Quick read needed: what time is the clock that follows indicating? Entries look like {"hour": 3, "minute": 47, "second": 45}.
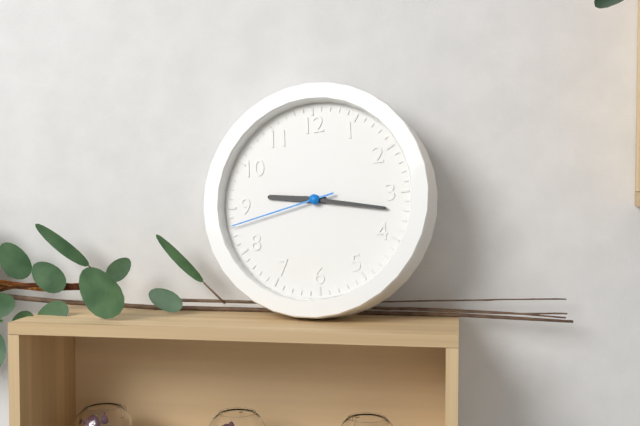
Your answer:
{"hour": 9, "minute": 17, "second": 43}
